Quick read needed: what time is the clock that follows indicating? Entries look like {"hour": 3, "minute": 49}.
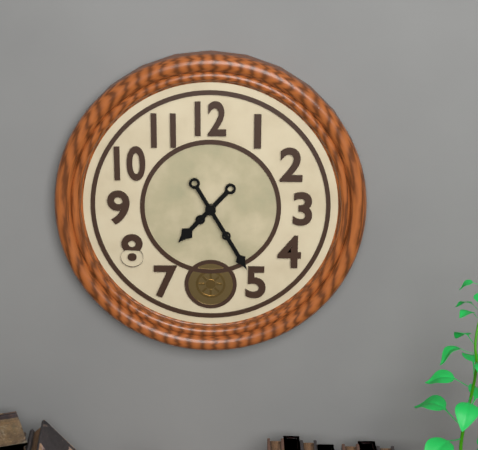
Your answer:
{"hour": 7, "minute": 25}
